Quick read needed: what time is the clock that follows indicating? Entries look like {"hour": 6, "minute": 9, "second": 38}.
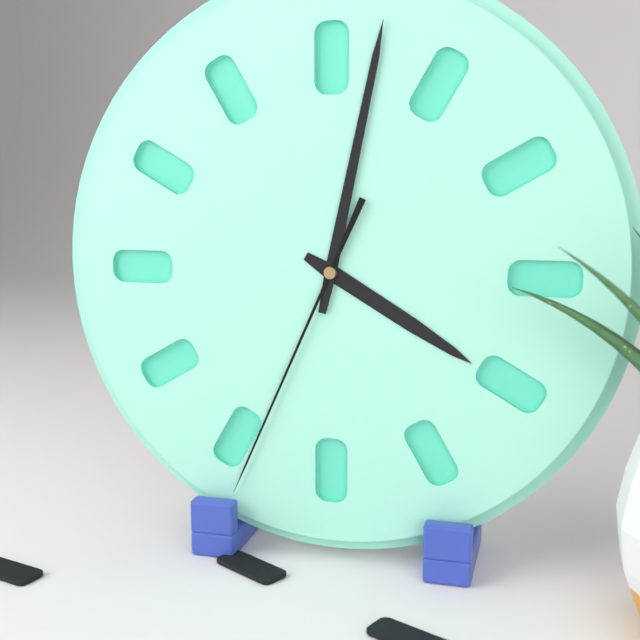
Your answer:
{"hour": 4, "minute": 2, "second": 34}
